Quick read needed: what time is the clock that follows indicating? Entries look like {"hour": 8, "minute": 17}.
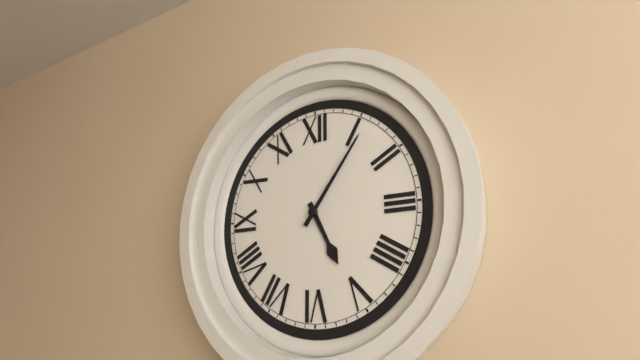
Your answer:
{"hour": 5, "minute": 6}
